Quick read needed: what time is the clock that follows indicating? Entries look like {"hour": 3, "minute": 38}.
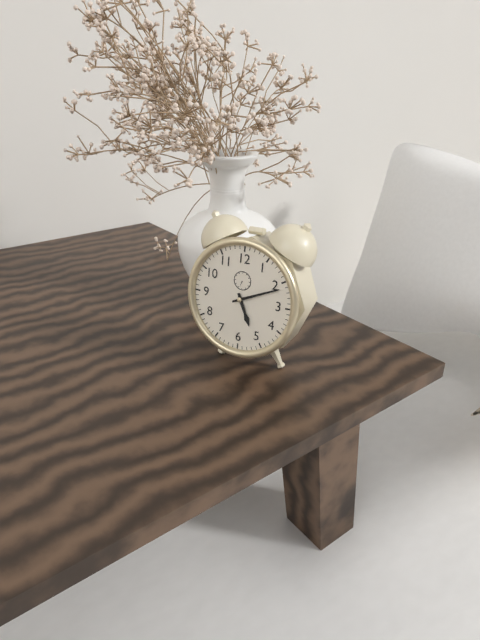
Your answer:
{"hour": 5, "minute": 11}
